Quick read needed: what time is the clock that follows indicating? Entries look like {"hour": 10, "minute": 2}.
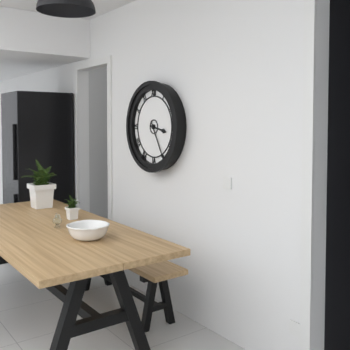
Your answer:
{"hour": 3, "minute": 25}
